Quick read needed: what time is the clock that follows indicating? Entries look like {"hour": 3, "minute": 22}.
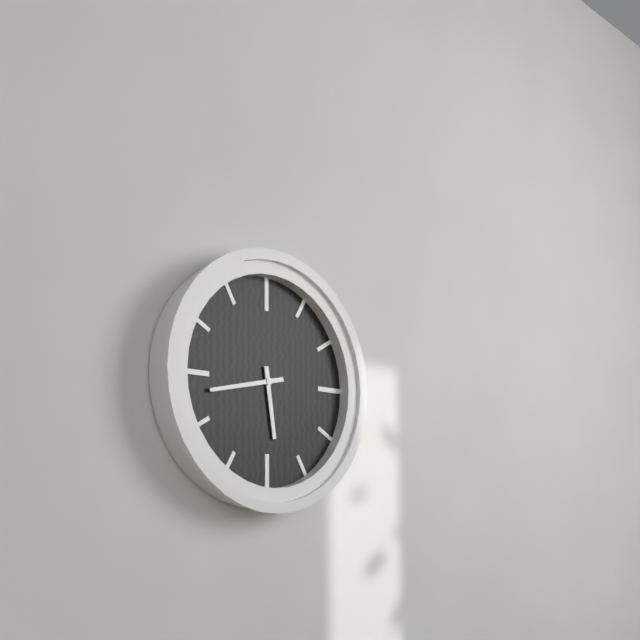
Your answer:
{"hour": 5, "minute": 43}
